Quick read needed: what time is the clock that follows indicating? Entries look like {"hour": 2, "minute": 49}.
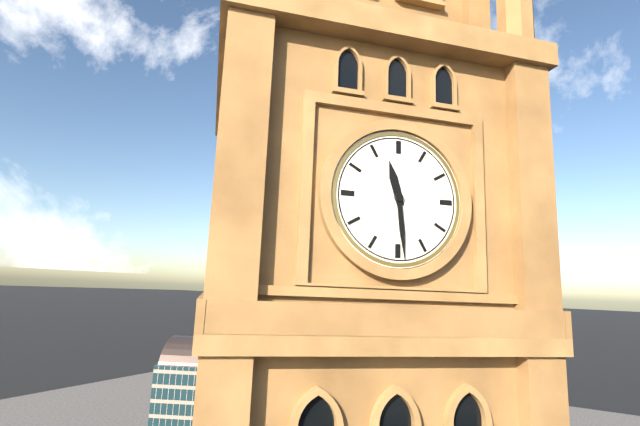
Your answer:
{"hour": 11, "minute": 29}
